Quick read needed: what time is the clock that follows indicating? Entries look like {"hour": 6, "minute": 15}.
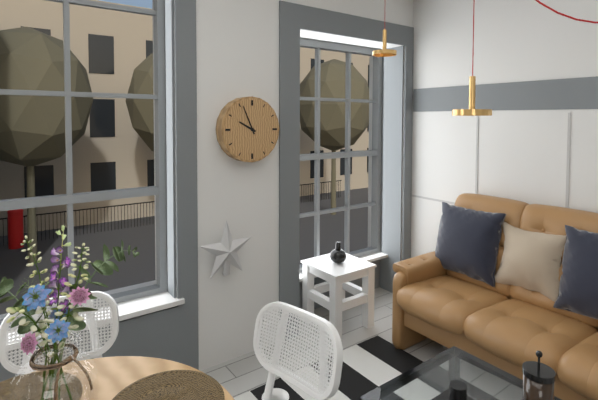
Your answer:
{"hour": 9, "minute": 56}
